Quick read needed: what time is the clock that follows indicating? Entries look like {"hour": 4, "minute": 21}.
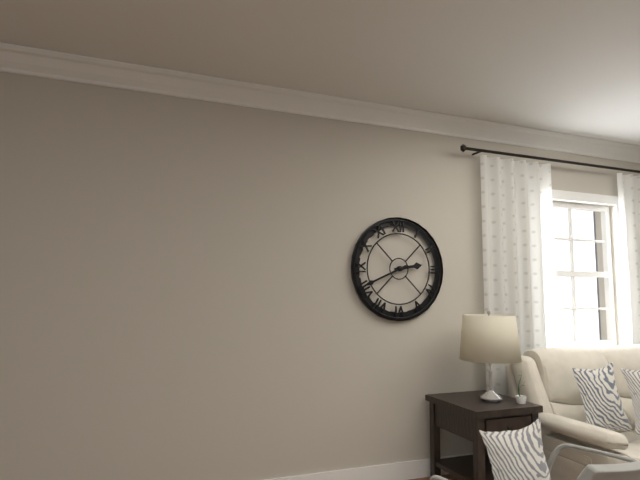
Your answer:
{"hour": 2, "minute": 41}
